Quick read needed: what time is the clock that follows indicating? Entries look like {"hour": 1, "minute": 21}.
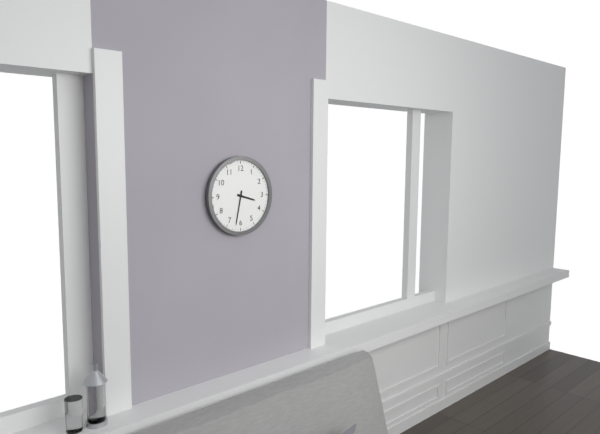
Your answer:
{"hour": 3, "minute": 32}
